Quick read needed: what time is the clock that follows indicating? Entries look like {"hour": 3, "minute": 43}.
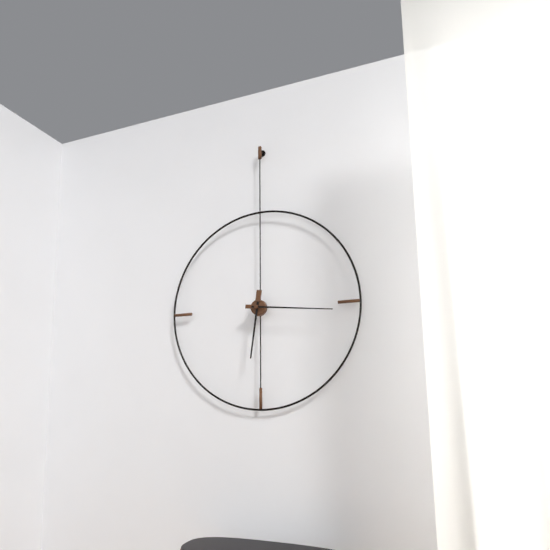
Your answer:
{"hour": 6, "minute": 16}
